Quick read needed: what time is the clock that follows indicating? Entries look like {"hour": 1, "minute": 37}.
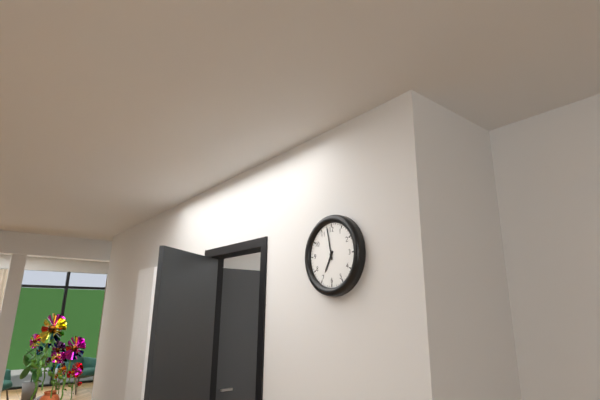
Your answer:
{"hour": 6, "minute": 58}
